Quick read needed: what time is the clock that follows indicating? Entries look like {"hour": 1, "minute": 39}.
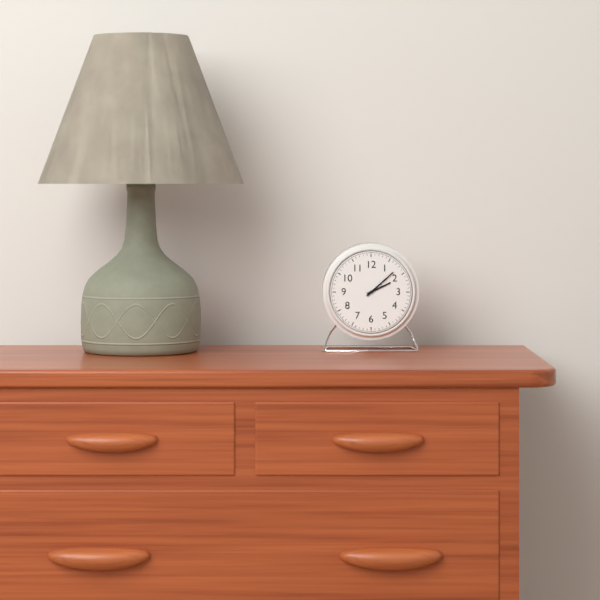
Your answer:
{"hour": 2, "minute": 8}
